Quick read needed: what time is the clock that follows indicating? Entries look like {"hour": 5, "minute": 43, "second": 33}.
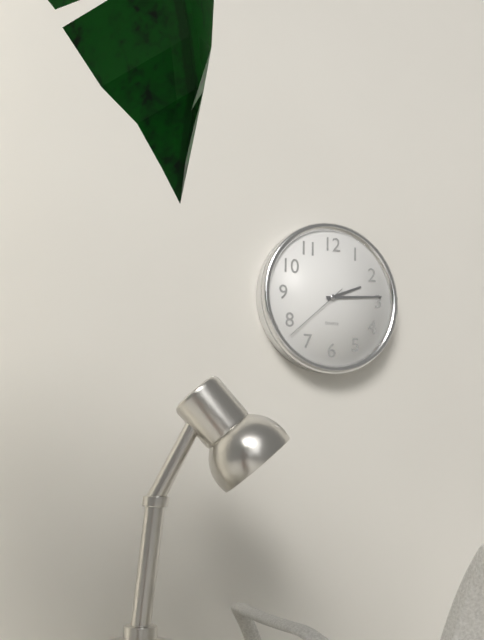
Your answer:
{"hour": 2, "minute": 14, "second": 38}
